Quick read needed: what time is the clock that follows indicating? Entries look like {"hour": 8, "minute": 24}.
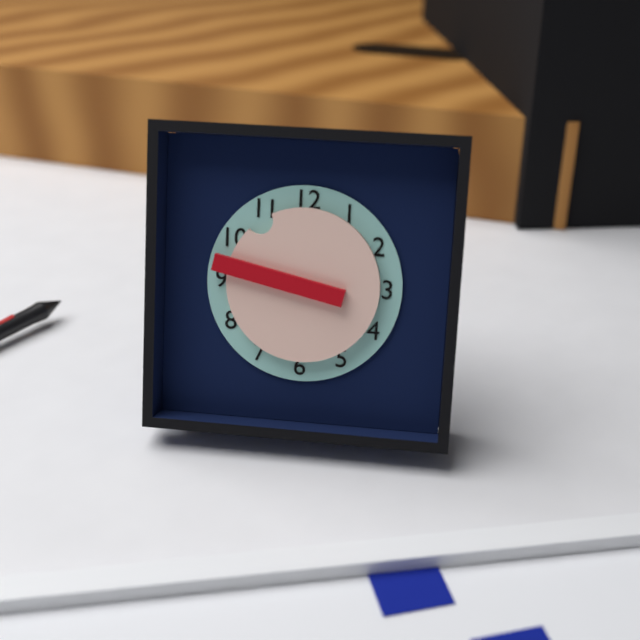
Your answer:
{"hour": 10, "minute": 47}
